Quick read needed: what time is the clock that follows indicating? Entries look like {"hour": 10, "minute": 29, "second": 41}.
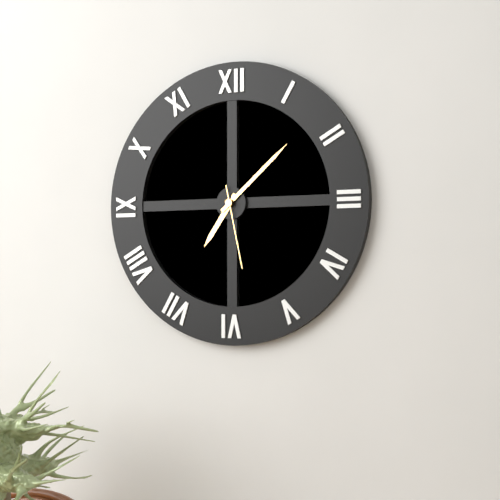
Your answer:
{"hour": 7, "minute": 8, "second": 28}
